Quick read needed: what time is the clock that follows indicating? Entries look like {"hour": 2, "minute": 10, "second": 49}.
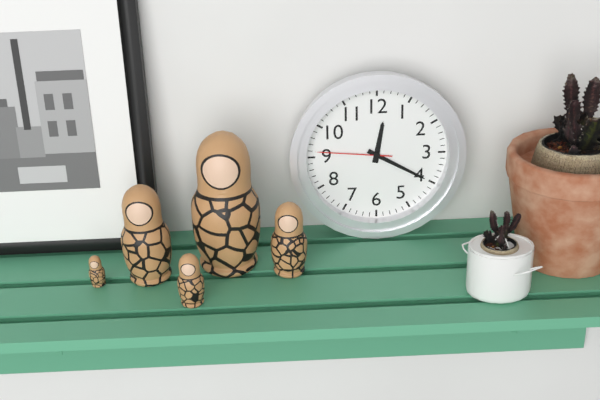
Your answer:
{"hour": 12, "minute": 20, "second": 46}
